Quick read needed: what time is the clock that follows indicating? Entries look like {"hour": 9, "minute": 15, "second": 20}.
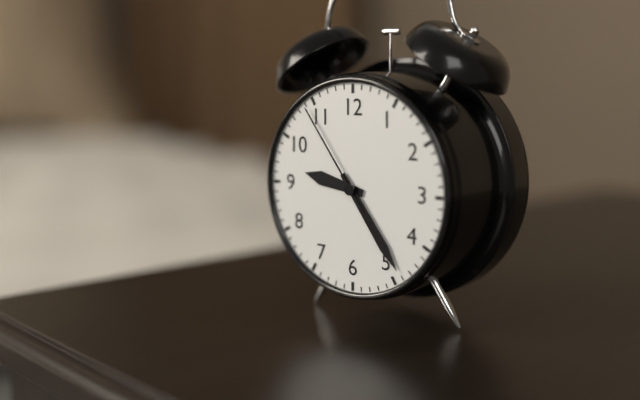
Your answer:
{"hour": 9, "minute": 24, "second": 54}
